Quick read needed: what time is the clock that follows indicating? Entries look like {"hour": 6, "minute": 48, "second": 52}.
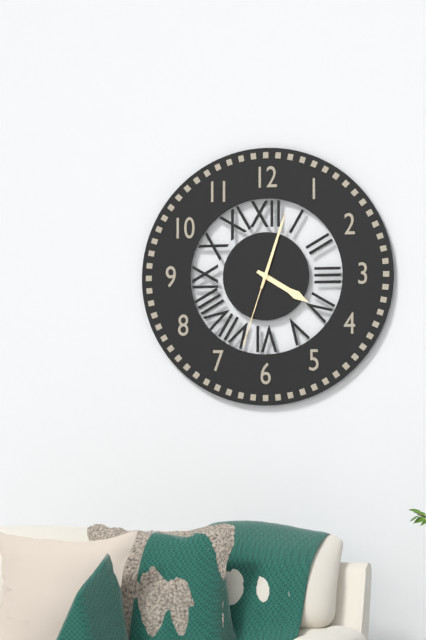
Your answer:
{"hour": 4, "minute": 3, "second": 33}
